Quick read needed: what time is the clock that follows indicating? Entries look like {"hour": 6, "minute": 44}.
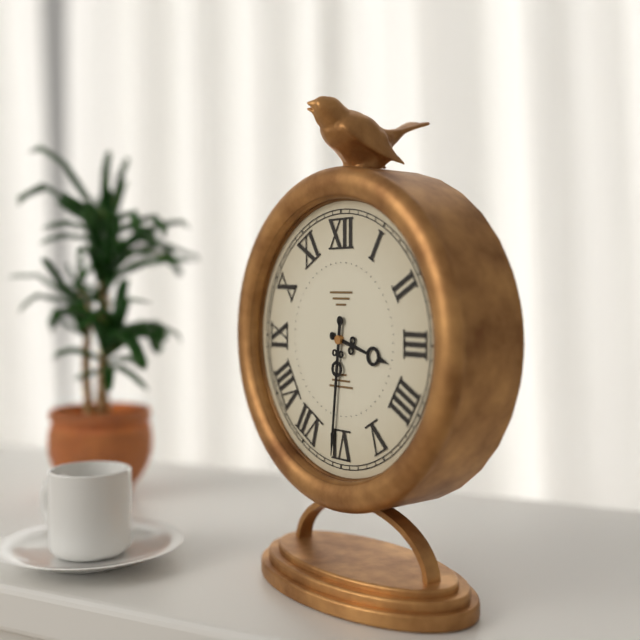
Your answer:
{"hour": 3, "minute": 31}
